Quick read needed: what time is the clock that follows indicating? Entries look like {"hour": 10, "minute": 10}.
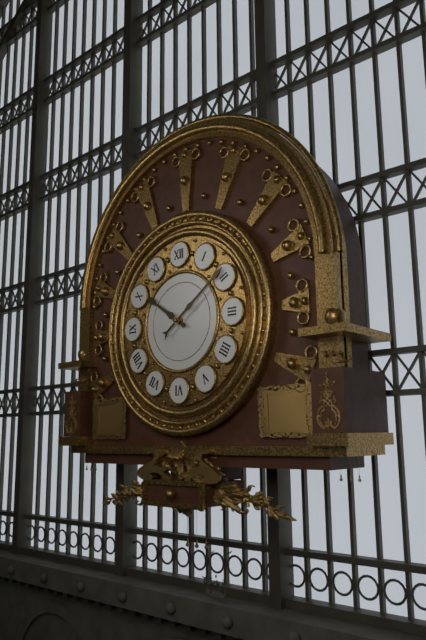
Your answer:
{"hour": 10, "minute": 9}
